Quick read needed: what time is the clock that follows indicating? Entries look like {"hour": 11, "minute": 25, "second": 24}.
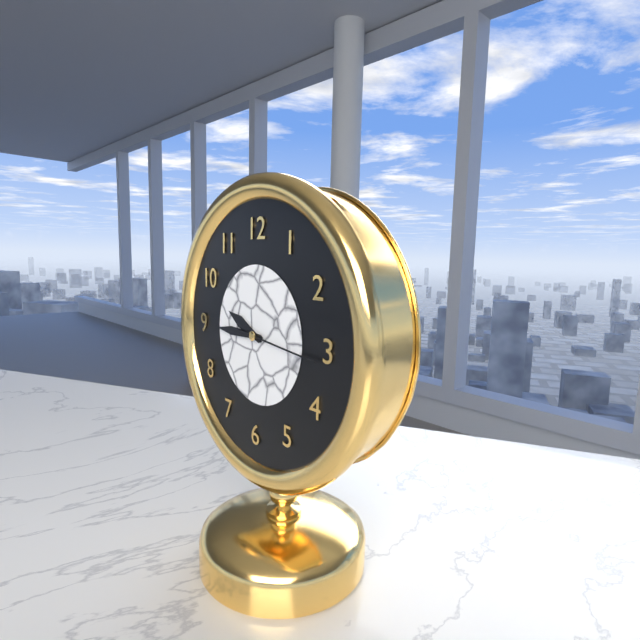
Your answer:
{"hour": 9, "minute": 45, "second": 16}
